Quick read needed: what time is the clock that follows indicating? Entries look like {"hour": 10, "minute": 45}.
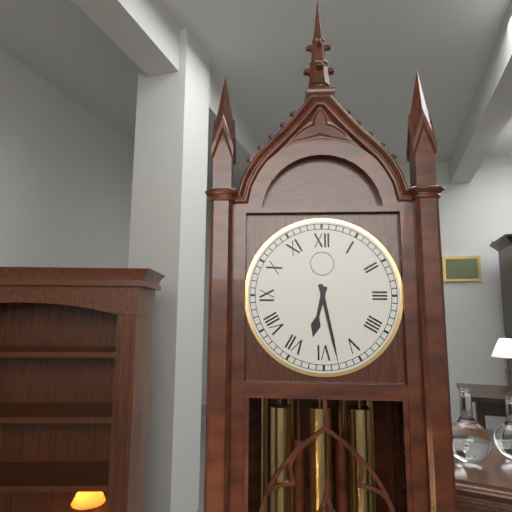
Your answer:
{"hour": 6, "minute": 28}
